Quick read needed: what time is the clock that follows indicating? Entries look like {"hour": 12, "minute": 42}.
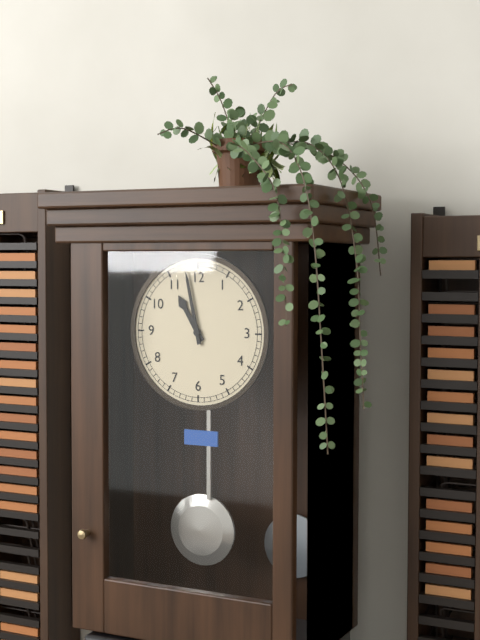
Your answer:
{"hour": 10, "minute": 58}
